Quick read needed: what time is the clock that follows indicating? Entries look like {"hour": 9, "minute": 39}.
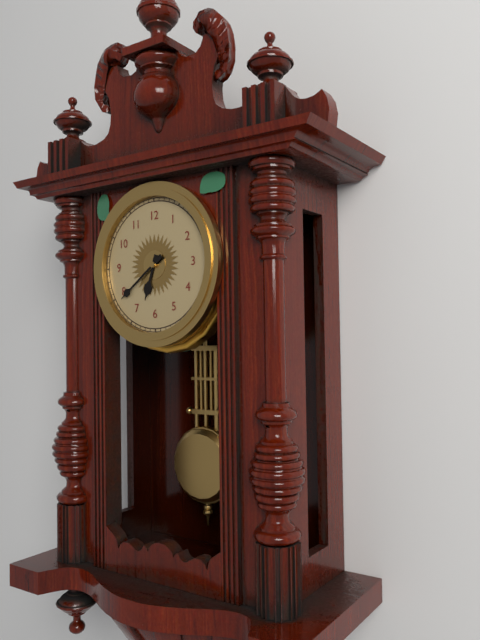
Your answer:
{"hour": 6, "minute": 39}
